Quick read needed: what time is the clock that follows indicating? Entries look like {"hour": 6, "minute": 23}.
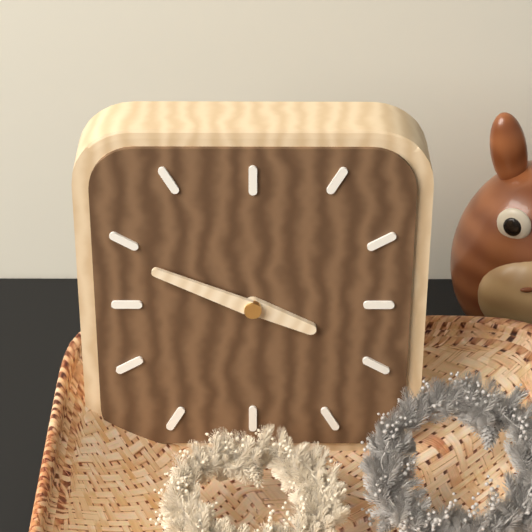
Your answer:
{"hour": 3, "minute": 49}
